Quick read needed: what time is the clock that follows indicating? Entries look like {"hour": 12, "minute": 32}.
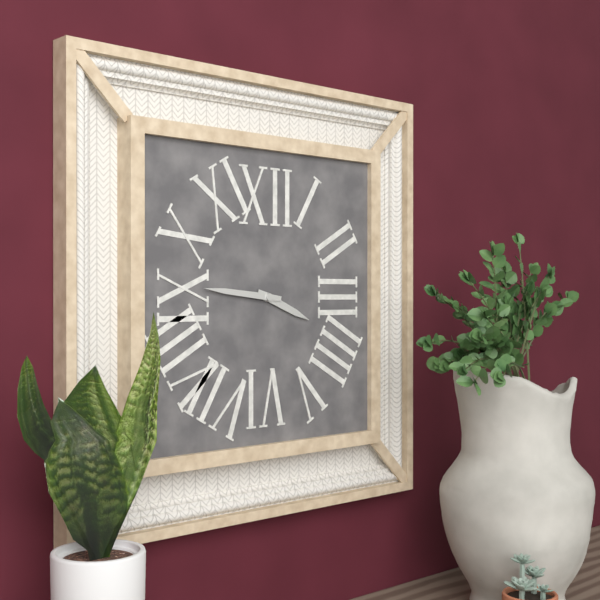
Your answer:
{"hour": 3, "minute": 46}
